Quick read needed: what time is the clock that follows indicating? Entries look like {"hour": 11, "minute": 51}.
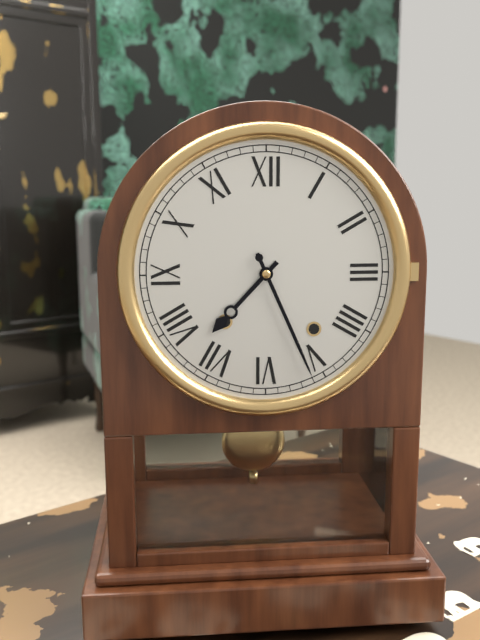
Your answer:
{"hour": 7, "minute": 26}
